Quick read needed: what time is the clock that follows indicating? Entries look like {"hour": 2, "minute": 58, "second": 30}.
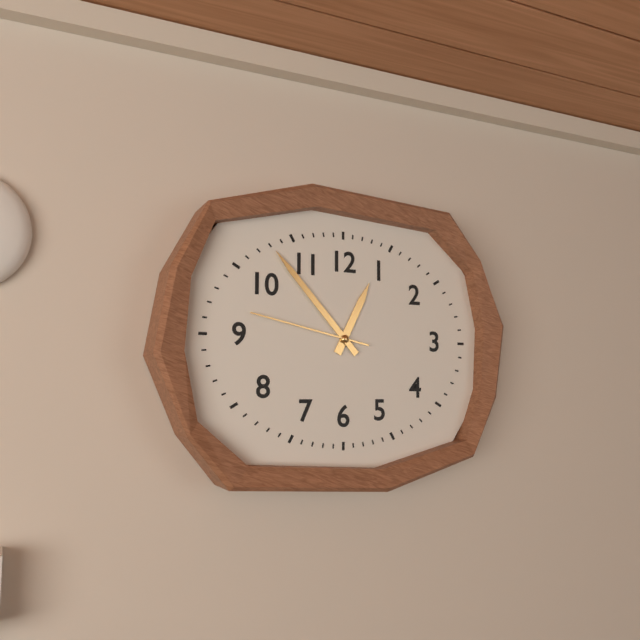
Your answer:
{"hour": 12, "minute": 53, "second": 47}
